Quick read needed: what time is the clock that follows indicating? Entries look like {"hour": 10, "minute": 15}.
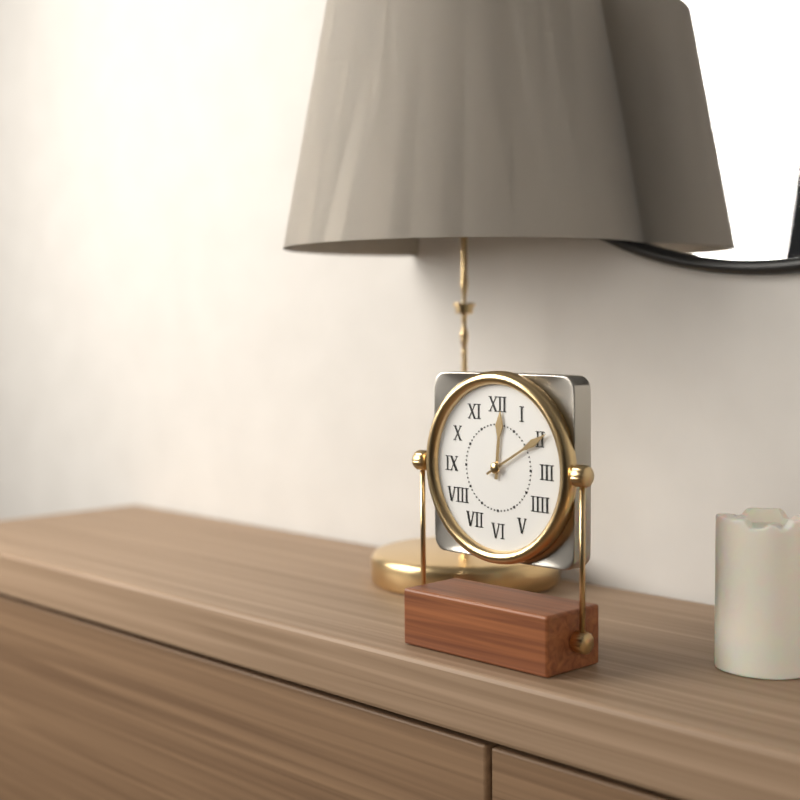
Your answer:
{"hour": 12, "minute": 10}
